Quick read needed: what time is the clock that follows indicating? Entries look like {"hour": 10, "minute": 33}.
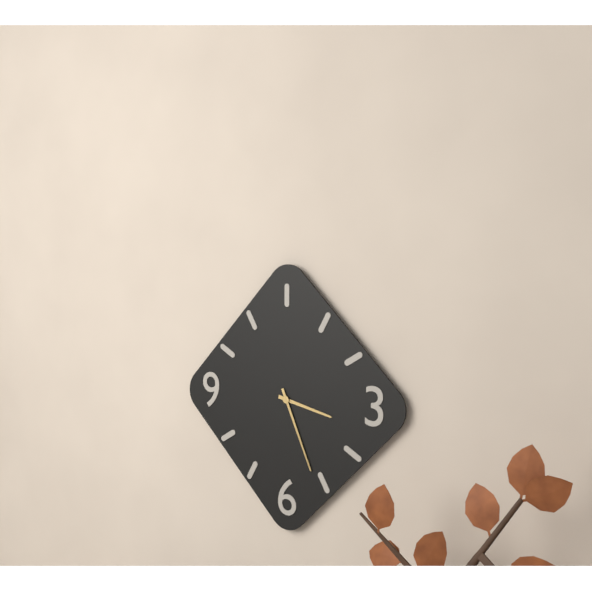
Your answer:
{"hour": 3, "minute": 26}
